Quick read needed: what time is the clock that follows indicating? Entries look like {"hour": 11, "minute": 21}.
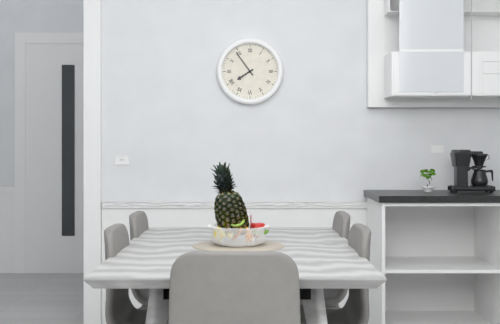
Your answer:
{"hour": 7, "minute": 54}
